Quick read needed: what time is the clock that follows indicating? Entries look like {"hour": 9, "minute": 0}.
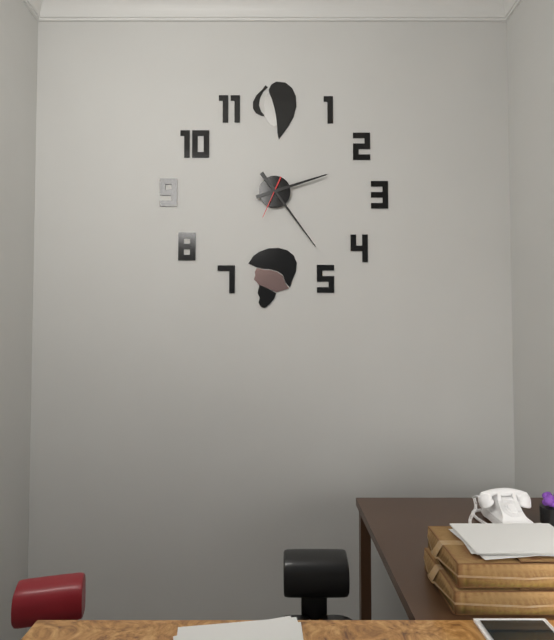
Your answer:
{"hour": 2, "minute": 24}
